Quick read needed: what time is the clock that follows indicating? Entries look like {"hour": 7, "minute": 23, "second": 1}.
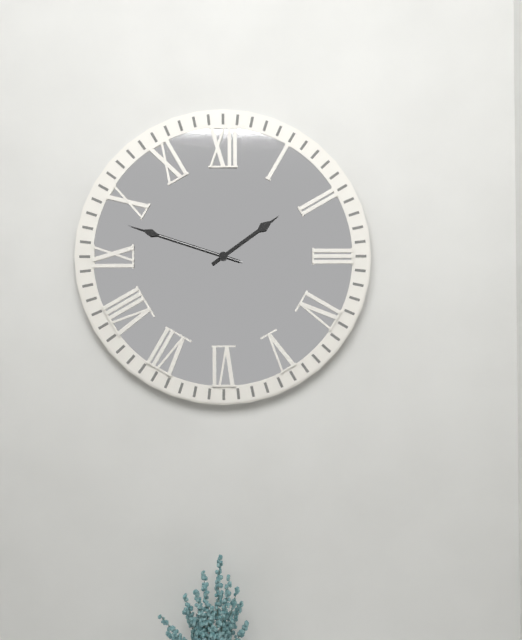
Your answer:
{"hour": 1, "minute": 48, "second": 48}
